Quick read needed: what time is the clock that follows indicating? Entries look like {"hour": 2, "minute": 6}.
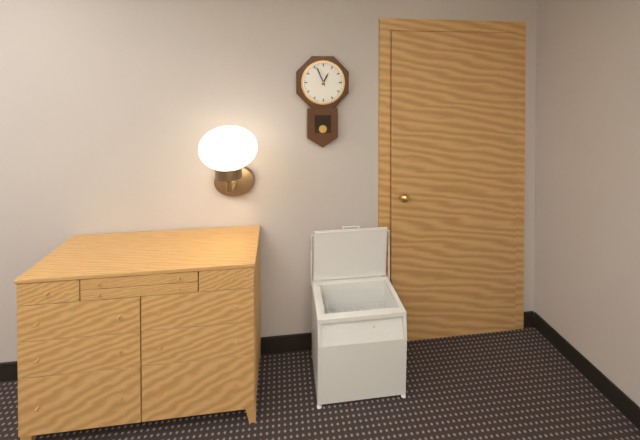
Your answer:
{"hour": 12, "minute": 56}
